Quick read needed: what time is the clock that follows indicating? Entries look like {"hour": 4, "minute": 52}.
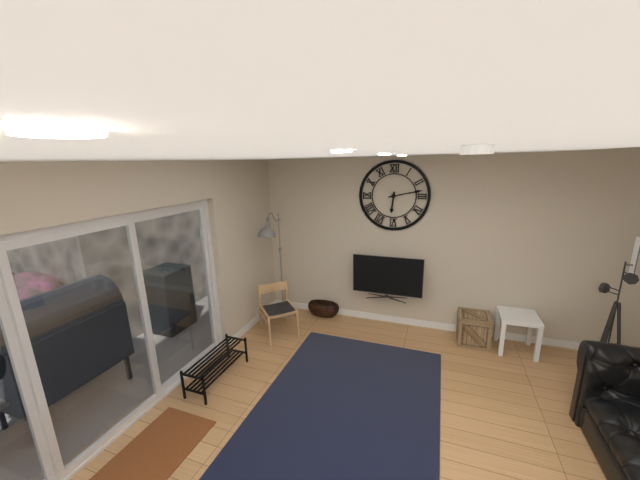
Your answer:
{"hour": 6, "minute": 13}
